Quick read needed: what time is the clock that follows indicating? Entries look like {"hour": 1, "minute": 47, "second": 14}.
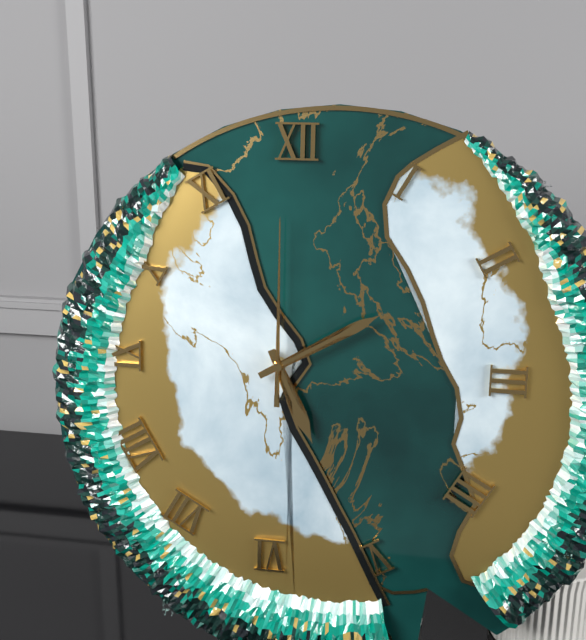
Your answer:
{"hour": 5, "minute": 10, "second": 0}
